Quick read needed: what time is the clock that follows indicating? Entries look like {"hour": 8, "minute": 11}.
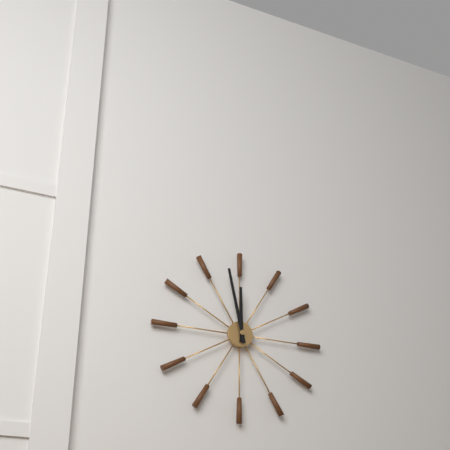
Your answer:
{"hour": 11, "minute": 58}
